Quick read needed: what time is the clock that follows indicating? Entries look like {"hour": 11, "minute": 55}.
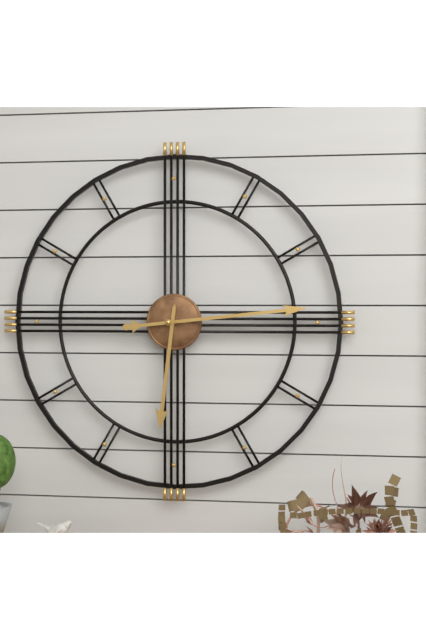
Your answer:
{"hour": 6, "minute": 14}
